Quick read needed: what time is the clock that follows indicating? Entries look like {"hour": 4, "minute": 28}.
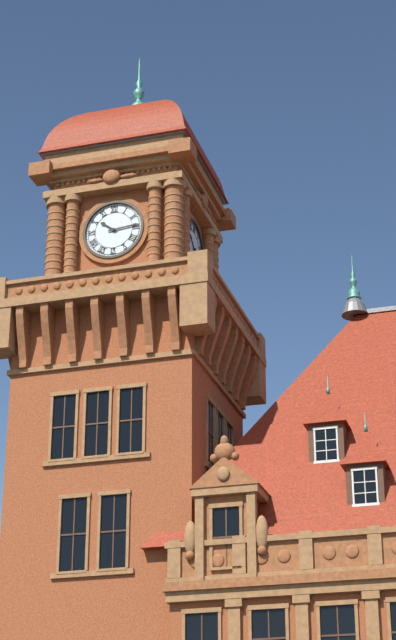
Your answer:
{"hour": 10, "minute": 14}
